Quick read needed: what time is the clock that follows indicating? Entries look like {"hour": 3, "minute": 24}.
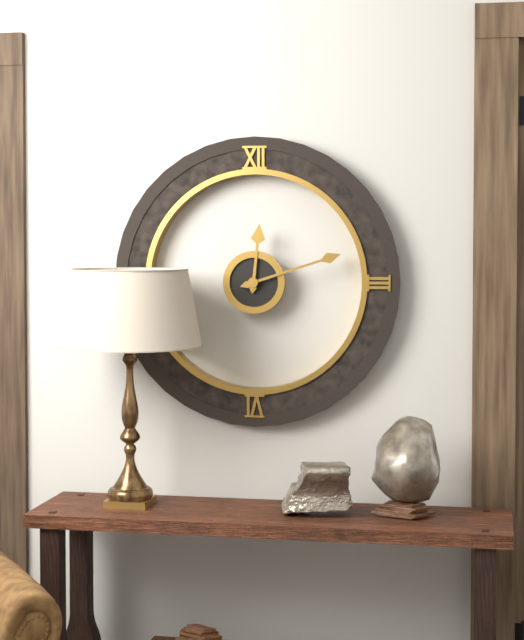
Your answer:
{"hour": 12, "minute": 12}
